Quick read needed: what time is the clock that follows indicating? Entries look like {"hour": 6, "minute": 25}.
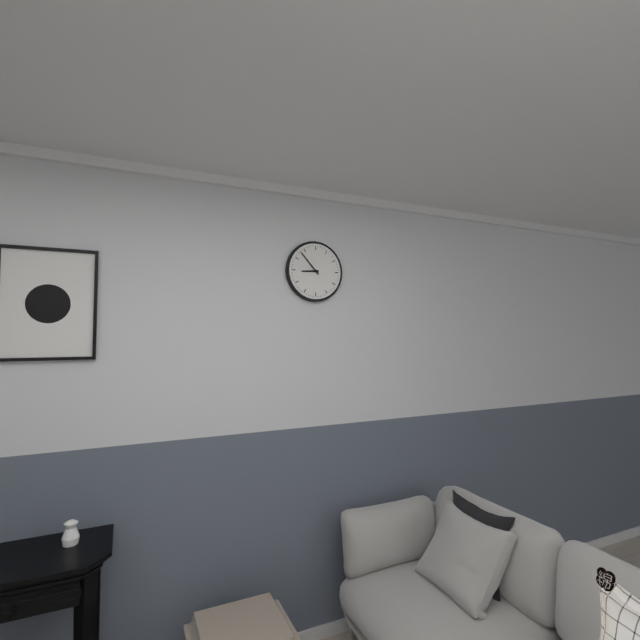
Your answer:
{"hour": 8, "minute": 53}
